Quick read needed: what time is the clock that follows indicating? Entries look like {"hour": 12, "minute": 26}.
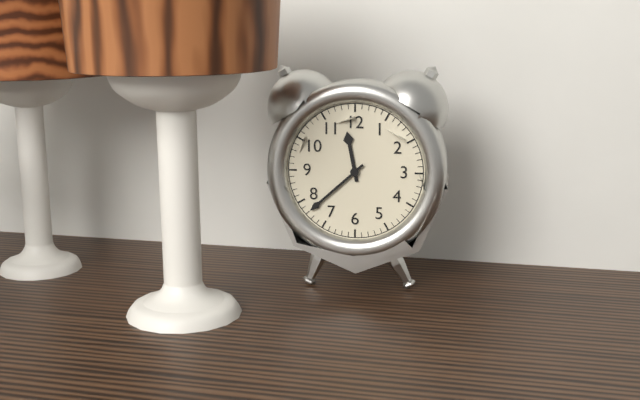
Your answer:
{"hour": 11, "minute": 38}
